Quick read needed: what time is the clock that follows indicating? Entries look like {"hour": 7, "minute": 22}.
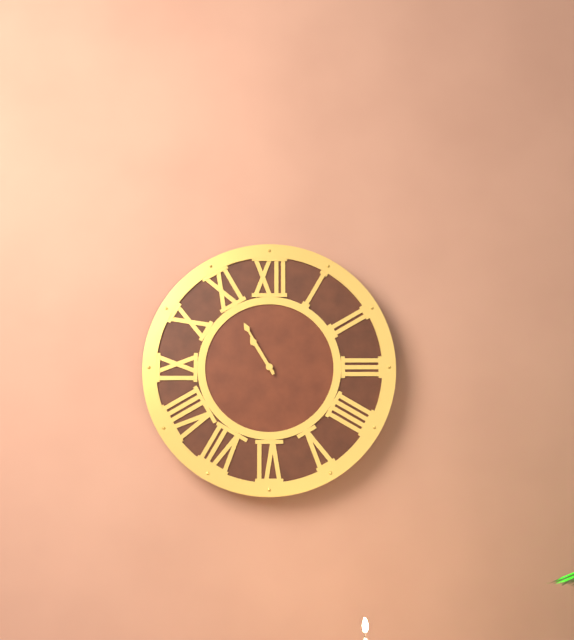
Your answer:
{"hour": 10, "minute": 55}
